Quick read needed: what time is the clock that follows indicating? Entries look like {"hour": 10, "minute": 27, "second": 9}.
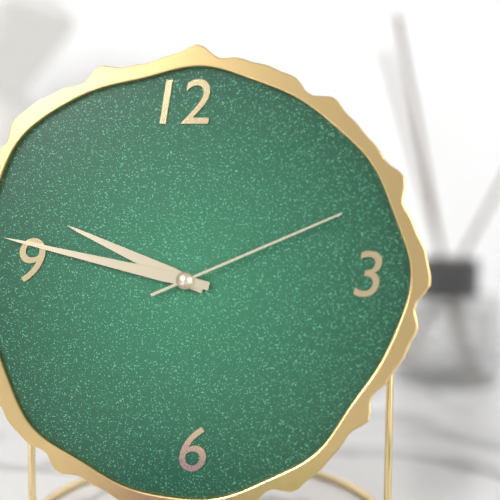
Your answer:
{"hour": 9, "minute": 47, "second": 11}
